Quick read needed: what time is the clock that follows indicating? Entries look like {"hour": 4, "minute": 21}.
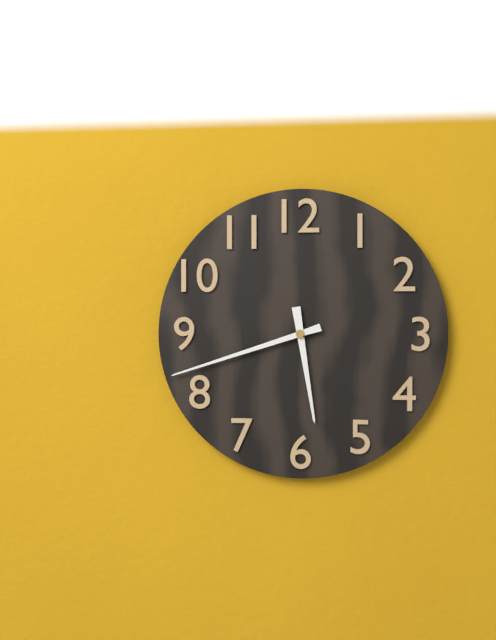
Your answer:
{"hour": 5, "minute": 42}
